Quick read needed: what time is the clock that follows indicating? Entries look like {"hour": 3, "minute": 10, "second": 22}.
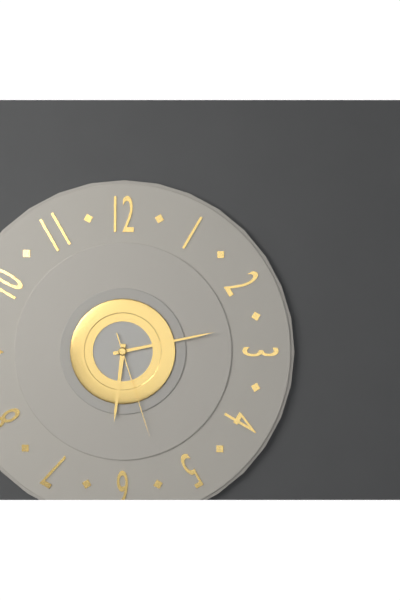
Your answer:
{"hour": 6, "minute": 13, "second": 27}
